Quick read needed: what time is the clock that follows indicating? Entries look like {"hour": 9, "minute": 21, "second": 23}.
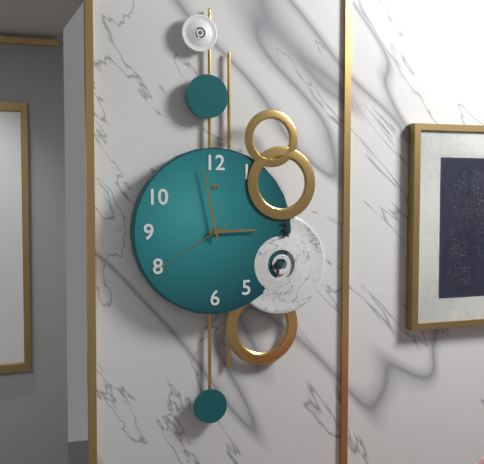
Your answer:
{"hour": 2, "minute": 58, "second": 40}
